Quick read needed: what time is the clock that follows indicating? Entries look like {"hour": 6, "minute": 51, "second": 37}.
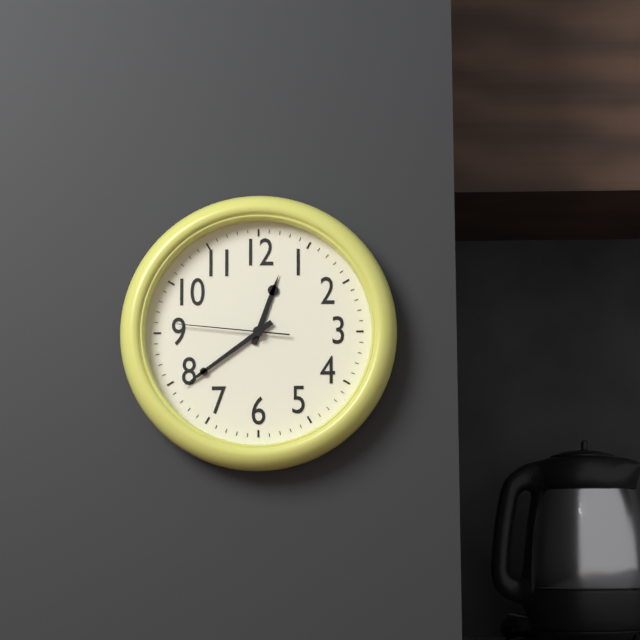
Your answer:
{"hour": 12, "minute": 39, "second": 46}
